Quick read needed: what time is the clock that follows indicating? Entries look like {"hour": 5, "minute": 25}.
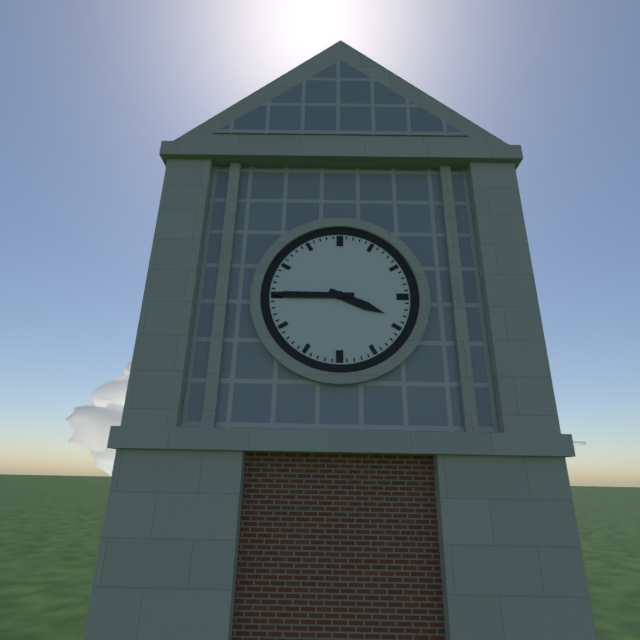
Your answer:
{"hour": 3, "minute": 45}
